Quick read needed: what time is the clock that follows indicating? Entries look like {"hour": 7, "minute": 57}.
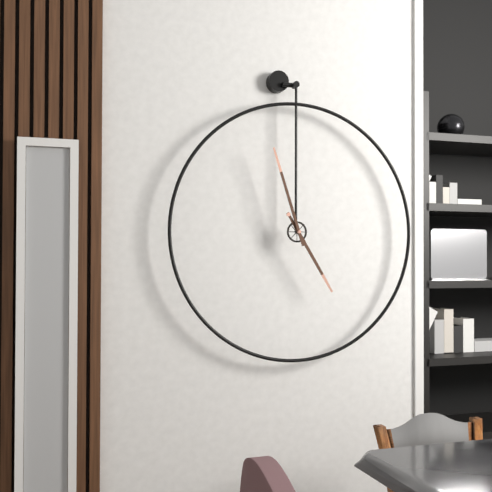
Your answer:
{"hour": 4, "minute": 57}
